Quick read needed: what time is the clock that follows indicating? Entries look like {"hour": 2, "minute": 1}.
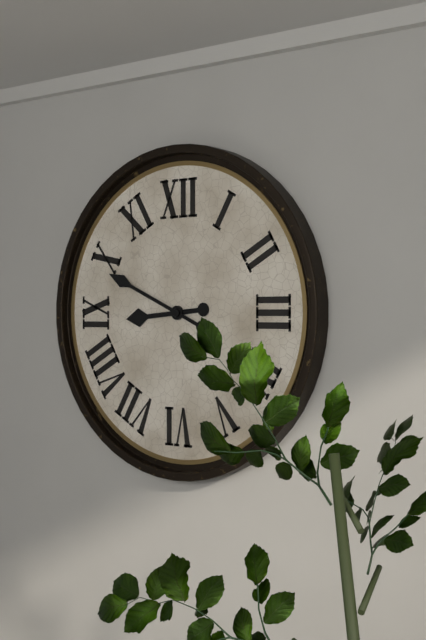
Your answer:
{"hour": 8, "minute": 49}
